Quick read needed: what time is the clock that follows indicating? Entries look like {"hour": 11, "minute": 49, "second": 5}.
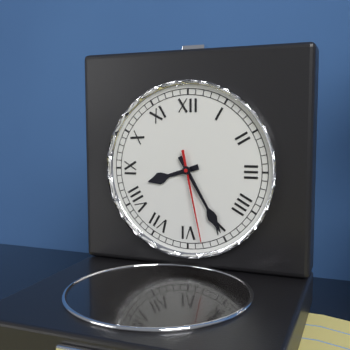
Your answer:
{"hour": 8, "minute": 25, "second": 28}
